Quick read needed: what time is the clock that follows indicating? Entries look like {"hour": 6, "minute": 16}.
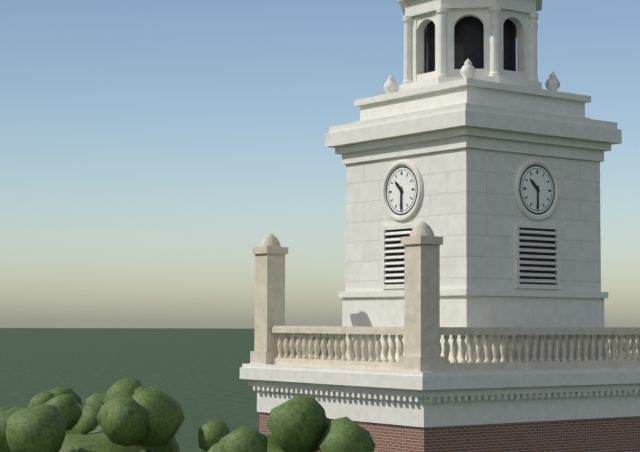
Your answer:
{"hour": 10, "minute": 30}
